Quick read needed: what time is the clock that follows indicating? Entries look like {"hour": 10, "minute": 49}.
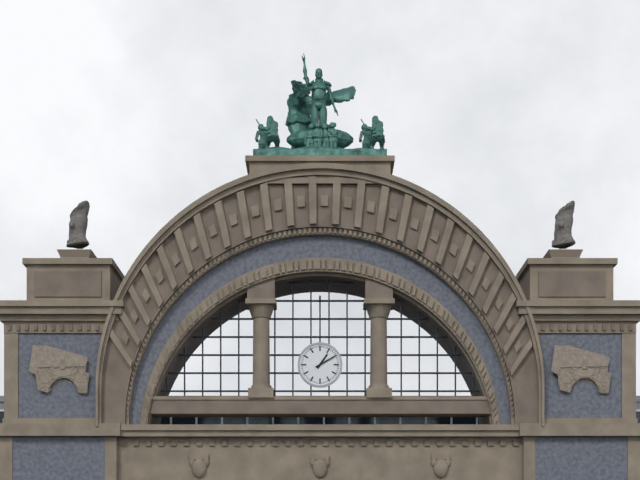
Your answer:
{"hour": 1, "minute": 10}
